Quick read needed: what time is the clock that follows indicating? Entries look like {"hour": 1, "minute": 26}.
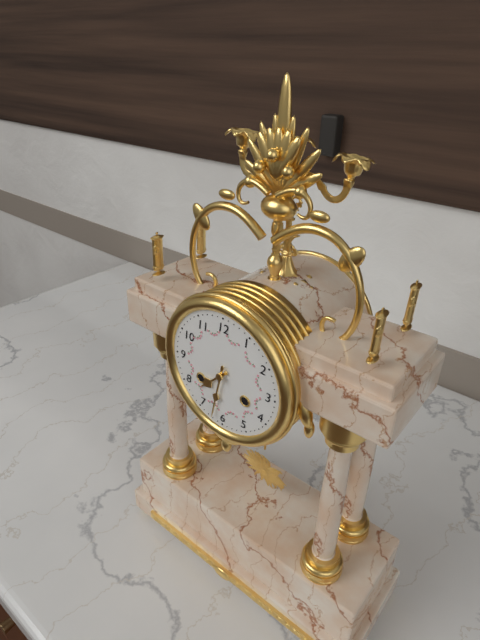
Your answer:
{"hour": 7, "minute": 32}
